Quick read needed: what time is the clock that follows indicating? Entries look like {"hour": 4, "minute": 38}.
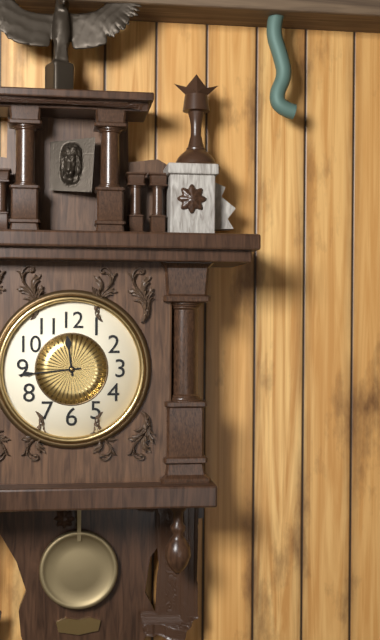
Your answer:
{"hour": 11, "minute": 44}
